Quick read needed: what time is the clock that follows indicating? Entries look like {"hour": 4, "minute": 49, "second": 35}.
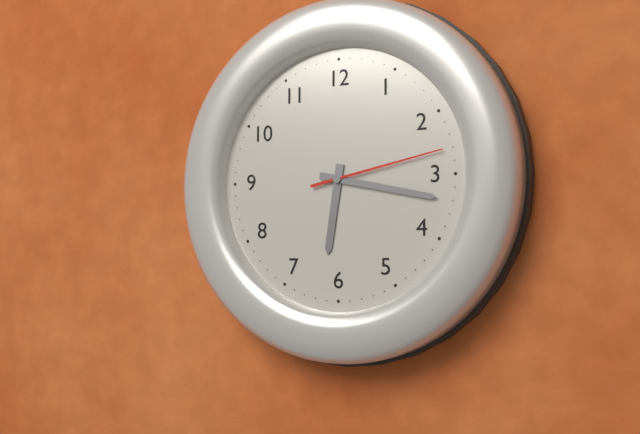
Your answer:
{"hour": 6, "minute": 17, "second": 13}
